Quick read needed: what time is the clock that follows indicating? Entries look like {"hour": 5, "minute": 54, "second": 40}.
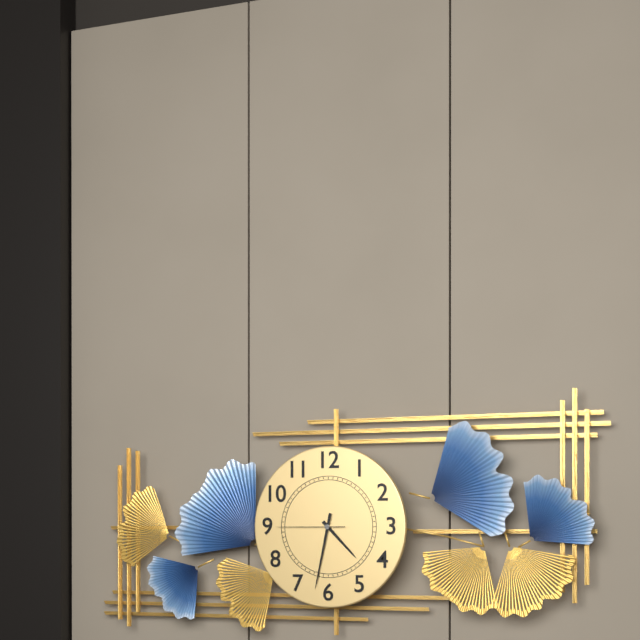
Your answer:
{"hour": 4, "minute": 32, "second": 45}
